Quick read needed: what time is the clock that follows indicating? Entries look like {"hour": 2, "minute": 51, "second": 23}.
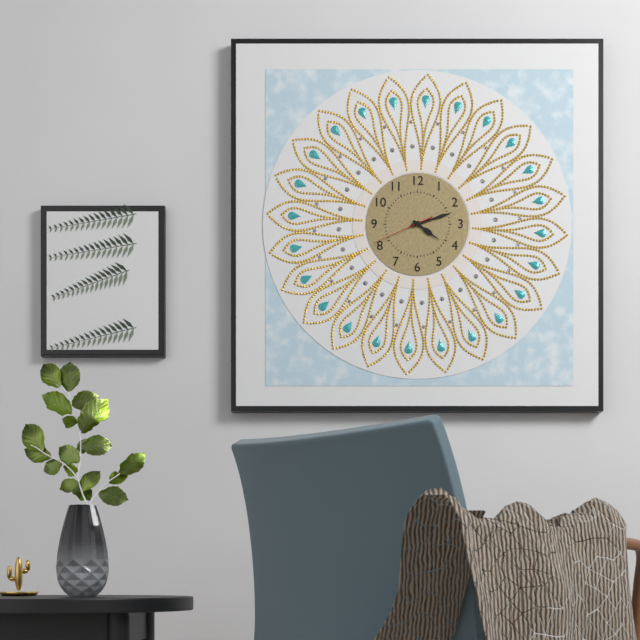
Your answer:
{"hour": 4, "minute": 12, "second": 41}
